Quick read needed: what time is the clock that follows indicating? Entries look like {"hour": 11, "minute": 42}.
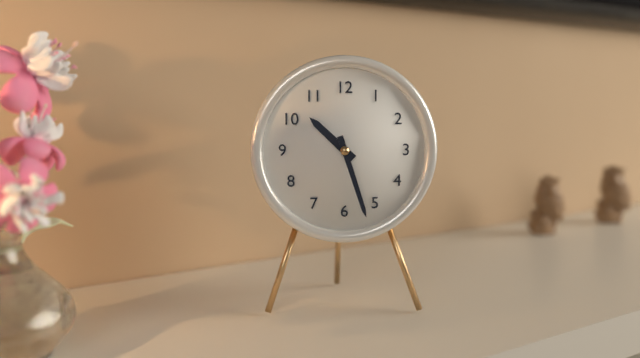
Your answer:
{"hour": 10, "minute": 27}
